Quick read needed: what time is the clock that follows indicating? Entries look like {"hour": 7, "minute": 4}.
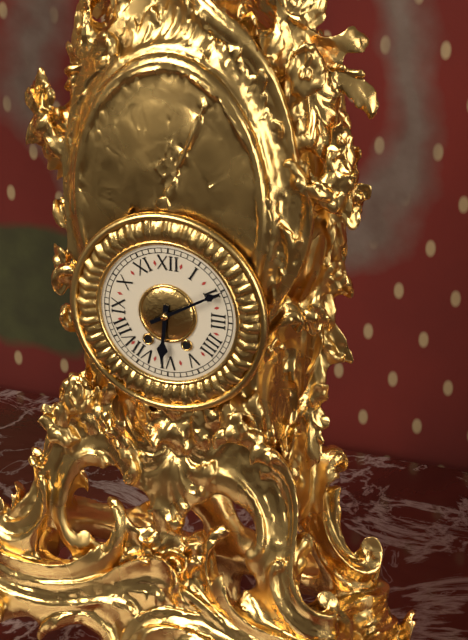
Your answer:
{"hour": 6, "minute": 10}
